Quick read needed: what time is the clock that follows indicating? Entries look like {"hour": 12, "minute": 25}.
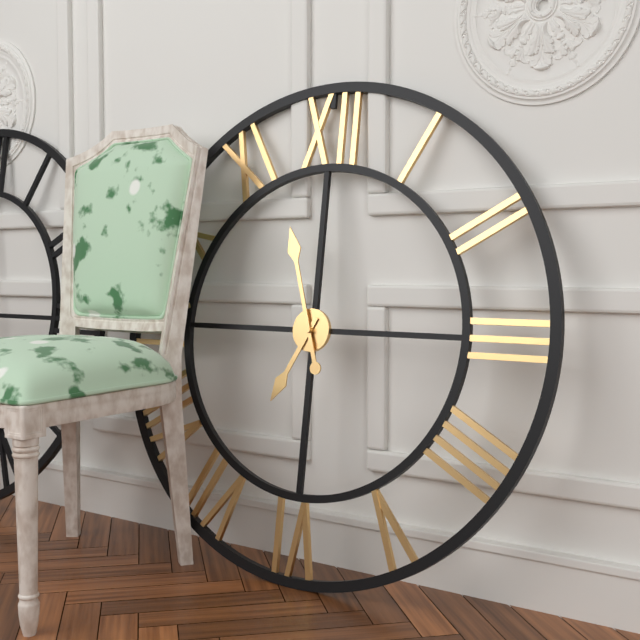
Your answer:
{"hour": 6, "minute": 57}
